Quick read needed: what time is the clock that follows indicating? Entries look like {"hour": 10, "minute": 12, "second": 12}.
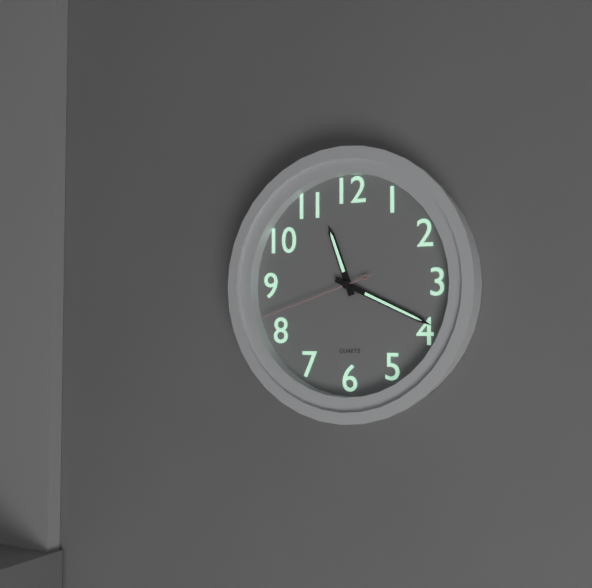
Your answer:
{"hour": 11, "minute": 19, "second": 42}
